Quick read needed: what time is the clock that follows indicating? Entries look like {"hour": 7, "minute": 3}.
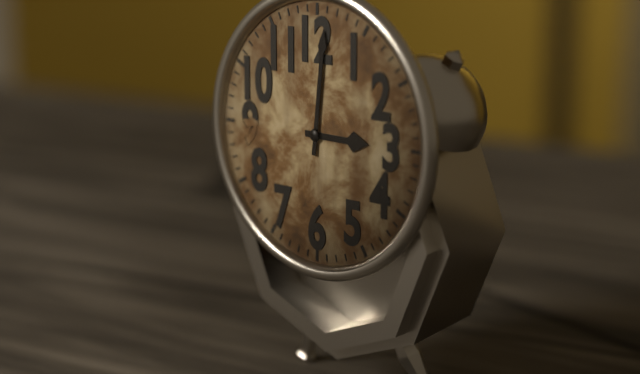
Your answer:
{"hour": 3, "minute": 1}
